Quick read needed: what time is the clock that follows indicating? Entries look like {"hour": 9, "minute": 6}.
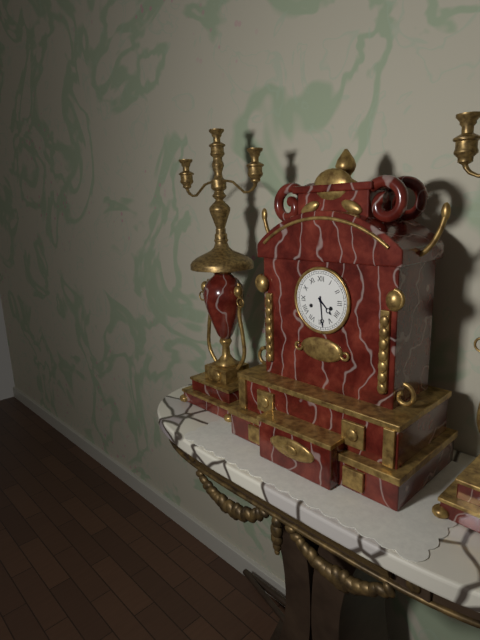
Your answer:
{"hour": 4, "minute": 29}
